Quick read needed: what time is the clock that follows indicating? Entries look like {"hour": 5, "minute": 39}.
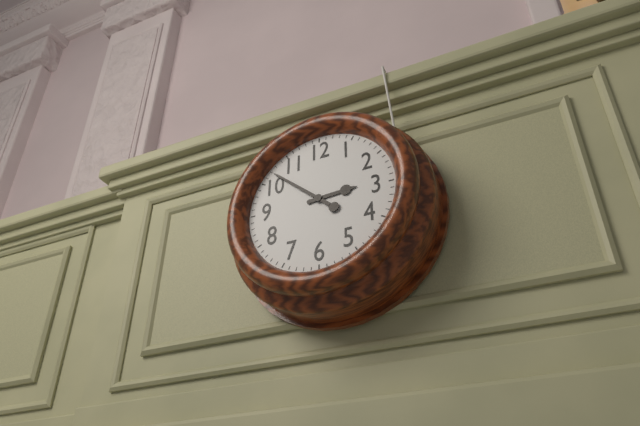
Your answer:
{"hour": 2, "minute": 52}
